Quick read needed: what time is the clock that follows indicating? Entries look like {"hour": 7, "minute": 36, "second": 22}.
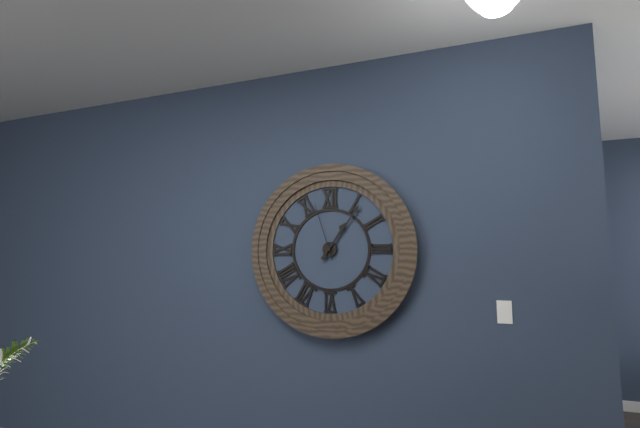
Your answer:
{"hour": 1, "minute": 6, "second": 57}
